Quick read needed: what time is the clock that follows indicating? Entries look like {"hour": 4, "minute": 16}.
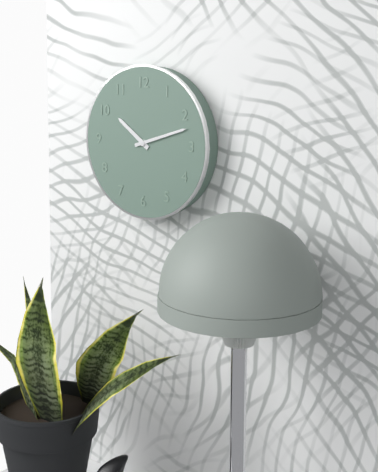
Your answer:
{"hour": 10, "minute": 12}
